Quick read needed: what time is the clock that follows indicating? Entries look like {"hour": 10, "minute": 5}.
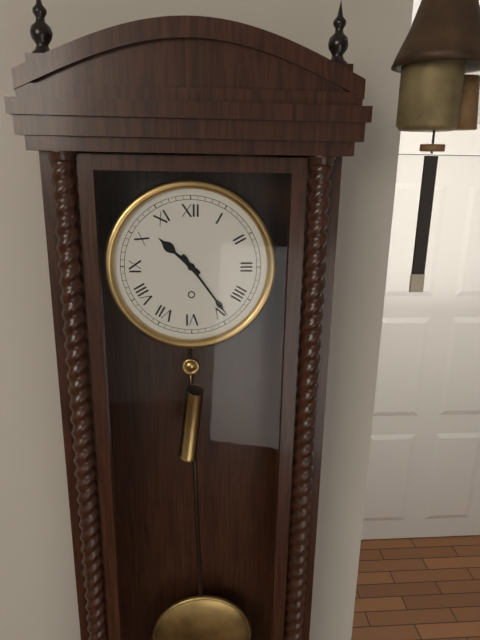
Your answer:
{"hour": 10, "minute": 24}
